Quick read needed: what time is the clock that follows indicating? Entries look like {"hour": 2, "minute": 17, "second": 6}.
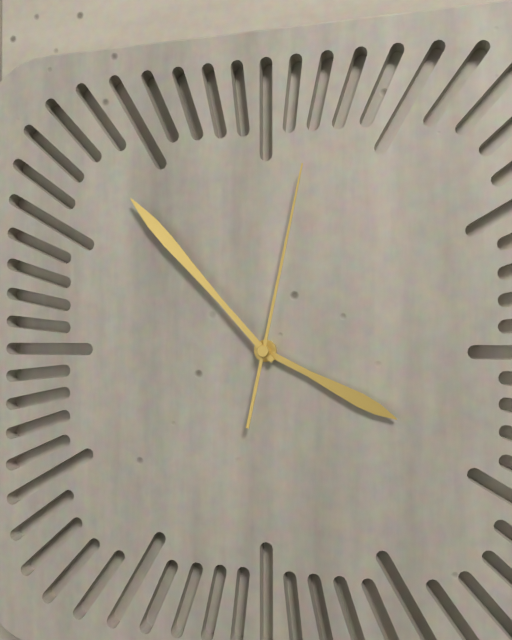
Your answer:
{"hour": 3, "minute": 53, "second": 2}
